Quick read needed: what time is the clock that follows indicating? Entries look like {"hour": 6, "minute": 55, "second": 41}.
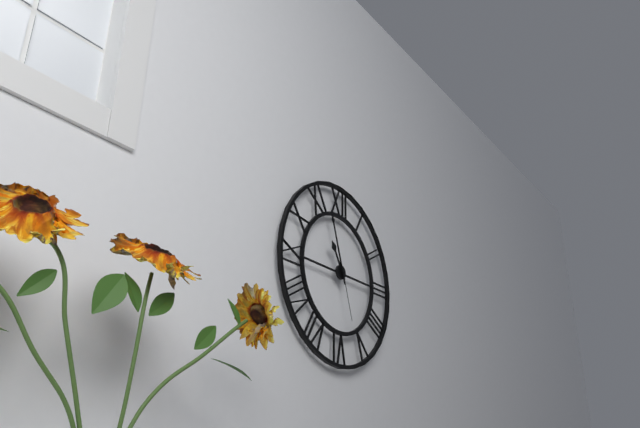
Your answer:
{"hour": 10, "minute": 57, "second": 27}
